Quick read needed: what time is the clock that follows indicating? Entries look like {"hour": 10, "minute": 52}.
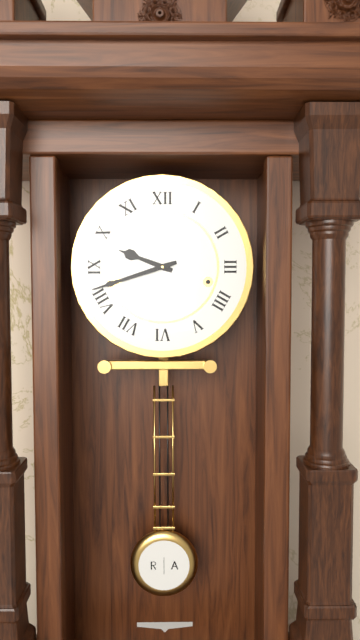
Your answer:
{"hour": 9, "minute": 42}
